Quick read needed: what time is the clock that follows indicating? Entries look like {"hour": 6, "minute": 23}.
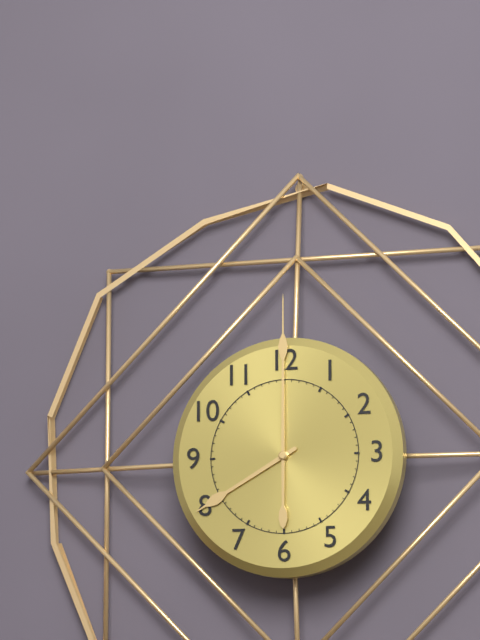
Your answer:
{"hour": 8, "minute": 0}
